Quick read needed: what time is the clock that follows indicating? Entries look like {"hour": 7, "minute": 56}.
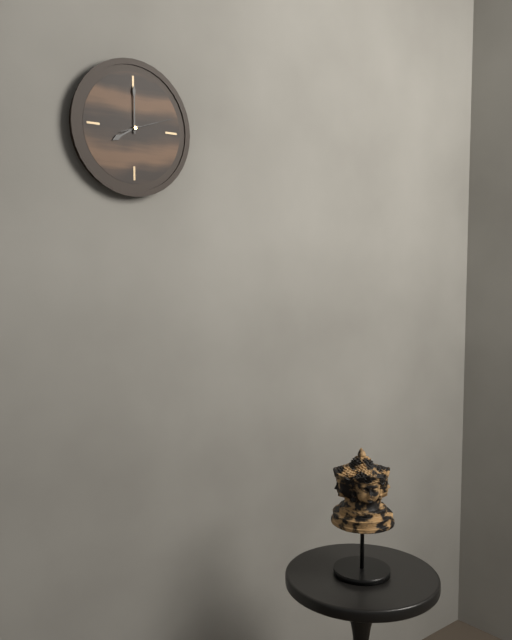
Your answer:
{"hour": 8, "minute": 0}
